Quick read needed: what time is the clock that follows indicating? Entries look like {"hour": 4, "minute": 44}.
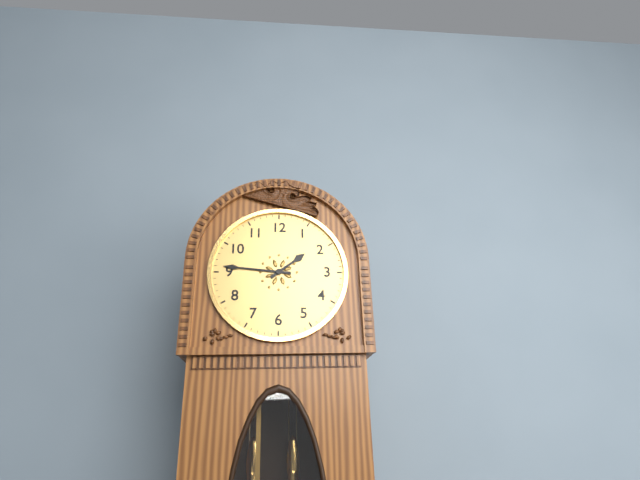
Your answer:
{"hour": 1, "minute": 46}
